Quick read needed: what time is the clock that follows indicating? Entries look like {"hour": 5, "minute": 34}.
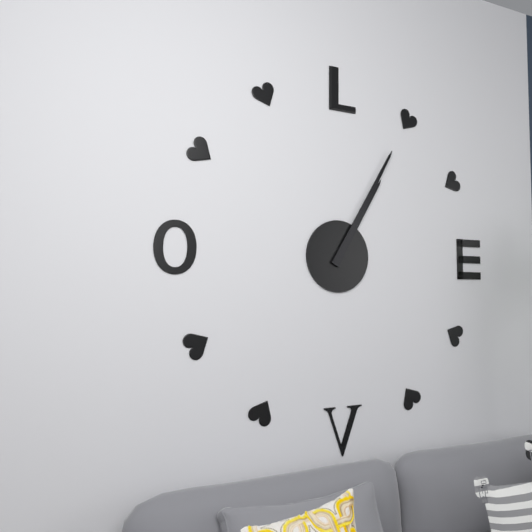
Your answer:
{"hour": 1, "minute": 5}
